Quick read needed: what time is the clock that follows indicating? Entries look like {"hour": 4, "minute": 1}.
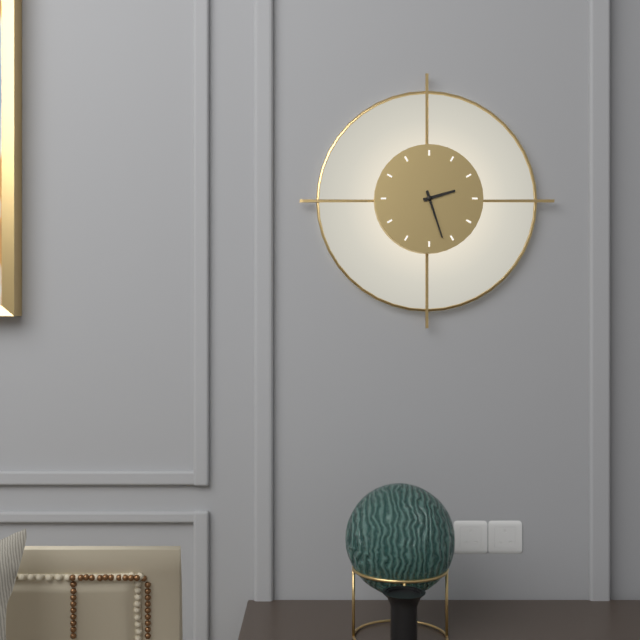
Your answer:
{"hour": 2, "minute": 27}
